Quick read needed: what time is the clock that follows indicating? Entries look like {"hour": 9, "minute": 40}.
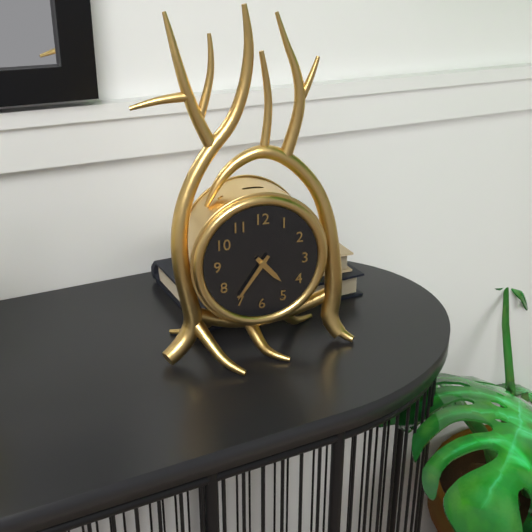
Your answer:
{"hour": 4, "minute": 36}
